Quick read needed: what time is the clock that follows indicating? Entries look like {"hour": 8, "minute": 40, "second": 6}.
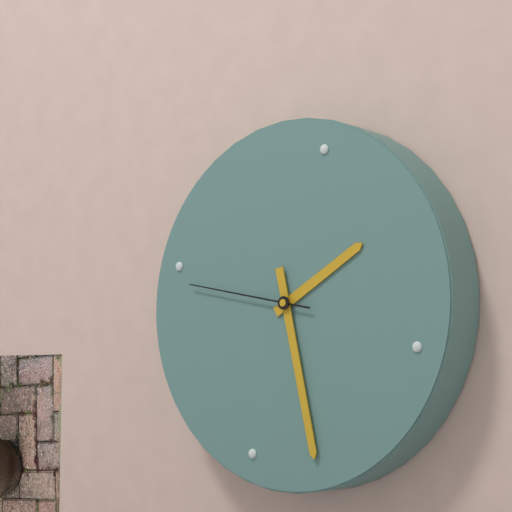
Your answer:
{"hour": 1, "minute": 25, "second": 44}
